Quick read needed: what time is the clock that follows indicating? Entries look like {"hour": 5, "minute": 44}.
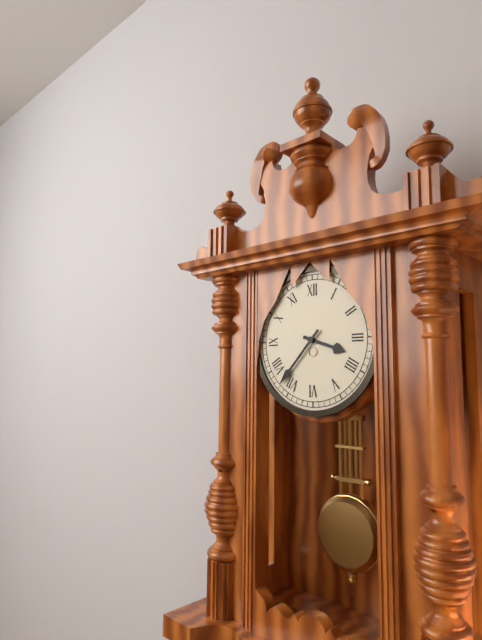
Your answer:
{"hour": 3, "minute": 37}
